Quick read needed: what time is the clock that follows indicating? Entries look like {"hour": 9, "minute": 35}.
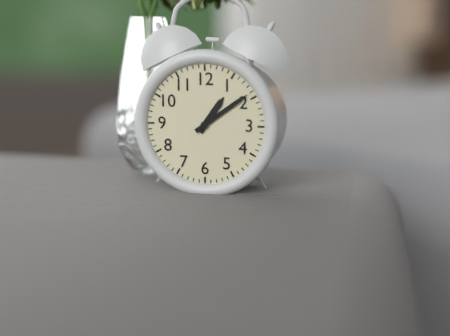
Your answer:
{"hour": 1, "minute": 9}
